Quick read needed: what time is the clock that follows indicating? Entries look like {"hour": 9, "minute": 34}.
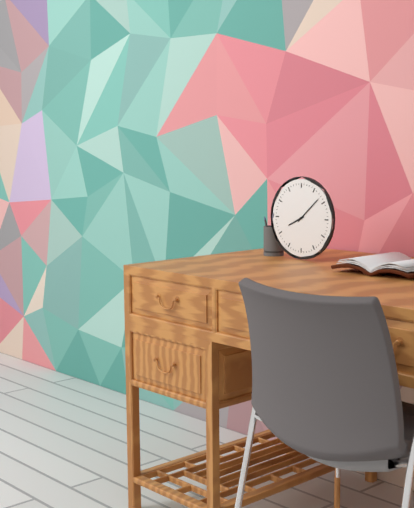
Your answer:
{"hour": 8, "minute": 8}
